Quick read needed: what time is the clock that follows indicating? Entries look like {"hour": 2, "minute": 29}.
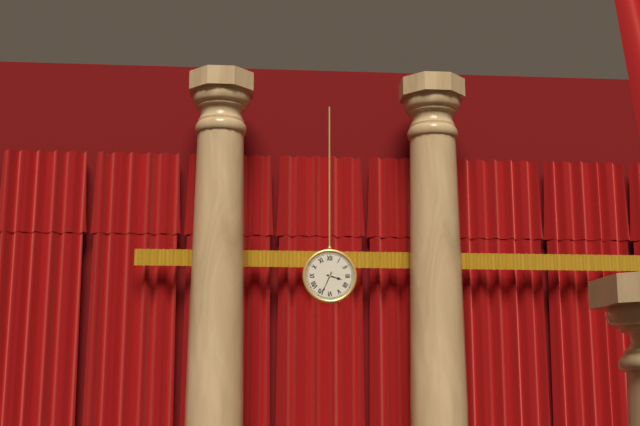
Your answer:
{"hour": 3, "minute": 34}
